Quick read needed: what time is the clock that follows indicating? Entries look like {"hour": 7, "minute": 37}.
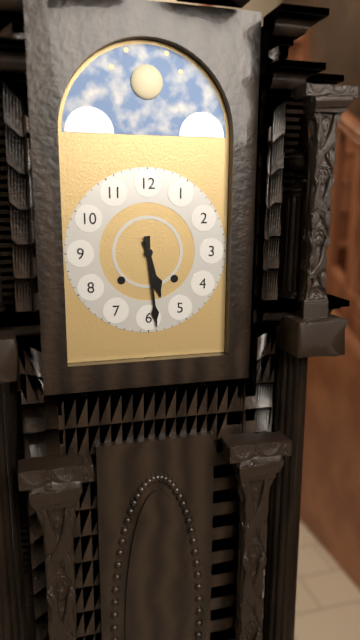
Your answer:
{"hour": 5, "minute": 29}
